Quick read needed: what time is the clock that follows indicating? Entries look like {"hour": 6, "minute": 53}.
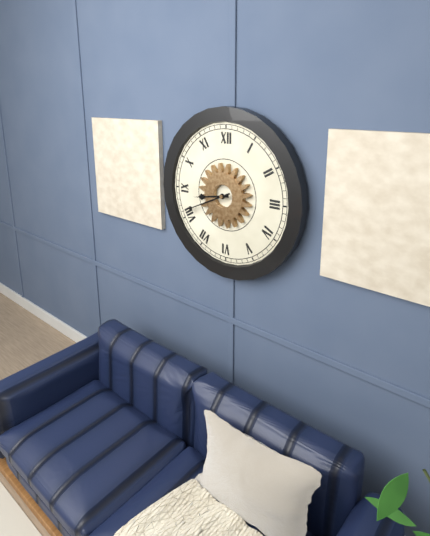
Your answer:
{"hour": 8, "minute": 41}
